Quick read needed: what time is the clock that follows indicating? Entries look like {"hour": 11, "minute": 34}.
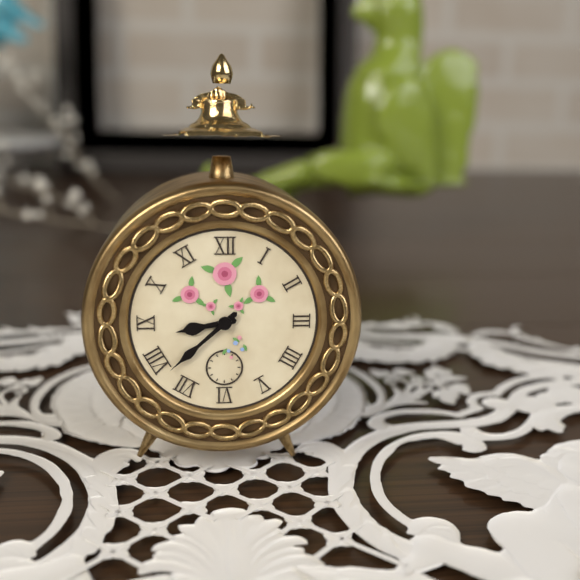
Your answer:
{"hour": 8, "minute": 38}
